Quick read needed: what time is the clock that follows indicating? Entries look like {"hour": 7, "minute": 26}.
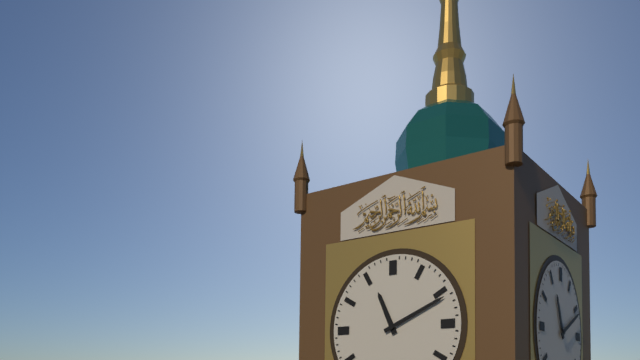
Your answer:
{"hour": 11, "minute": 11}
